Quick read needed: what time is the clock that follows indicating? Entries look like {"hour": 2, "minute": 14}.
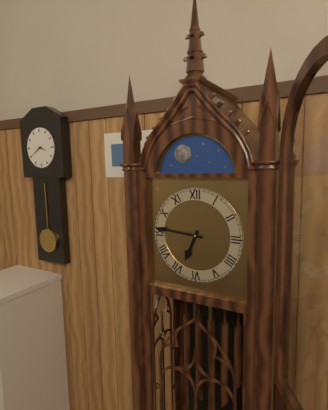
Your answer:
{"hour": 6, "minute": 46}
